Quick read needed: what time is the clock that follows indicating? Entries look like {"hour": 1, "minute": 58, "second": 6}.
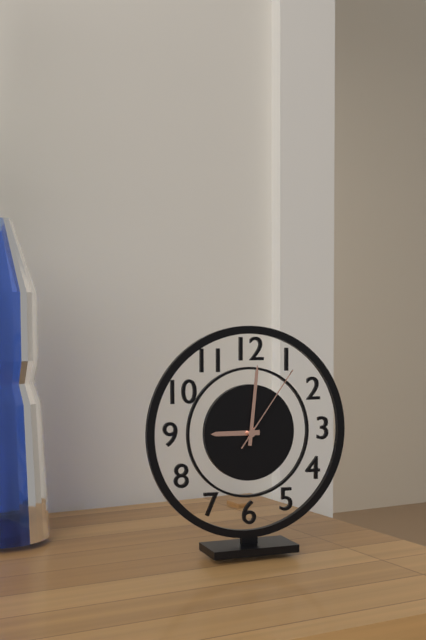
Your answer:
{"hour": 9, "minute": 1, "second": 6}
